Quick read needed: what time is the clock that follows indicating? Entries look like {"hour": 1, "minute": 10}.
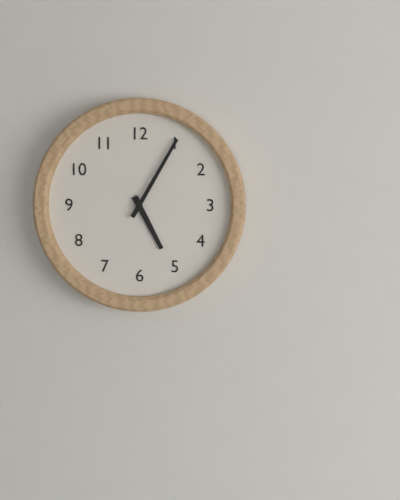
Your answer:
{"hour": 5, "minute": 5}
